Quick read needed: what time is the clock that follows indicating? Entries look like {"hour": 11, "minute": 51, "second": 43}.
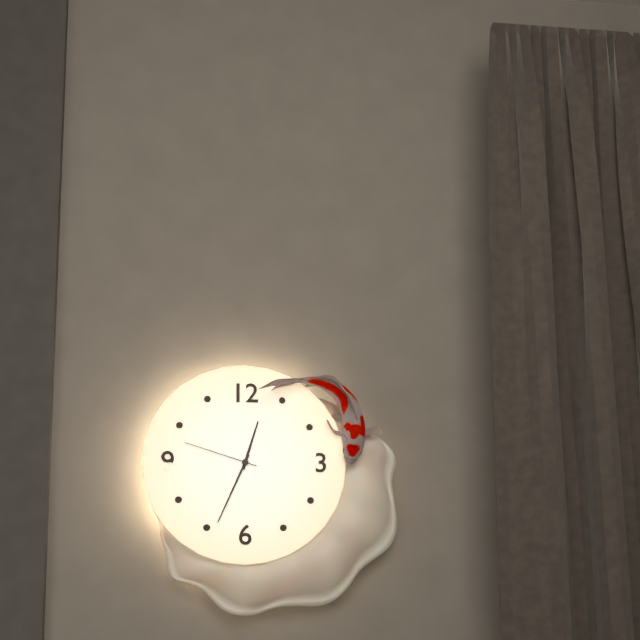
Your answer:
{"hour": 12, "minute": 34, "second": 48}
